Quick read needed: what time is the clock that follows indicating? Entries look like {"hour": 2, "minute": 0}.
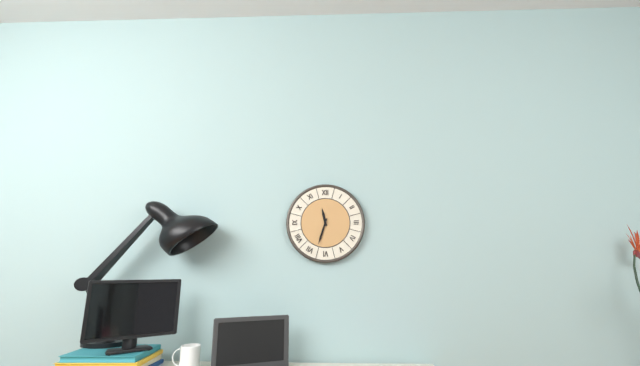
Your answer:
{"hour": 11, "minute": 33}
